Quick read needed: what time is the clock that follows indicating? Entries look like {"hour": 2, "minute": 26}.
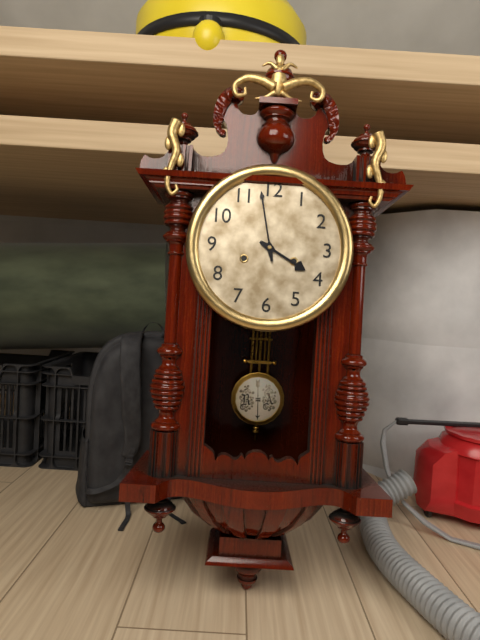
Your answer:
{"hour": 3, "minute": 58}
